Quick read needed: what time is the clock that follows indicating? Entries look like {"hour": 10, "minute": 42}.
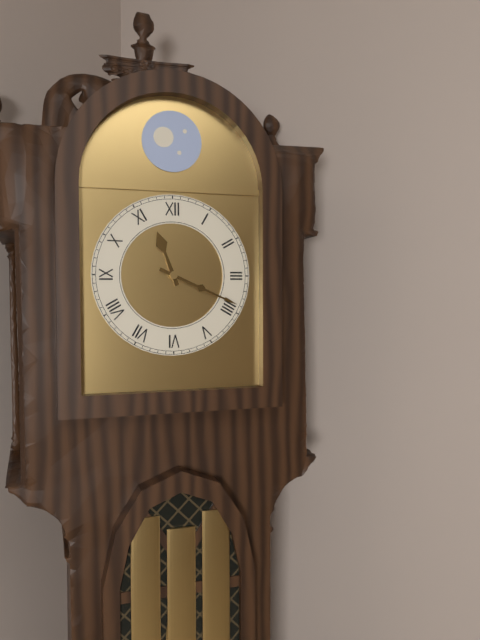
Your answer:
{"hour": 11, "minute": 19}
